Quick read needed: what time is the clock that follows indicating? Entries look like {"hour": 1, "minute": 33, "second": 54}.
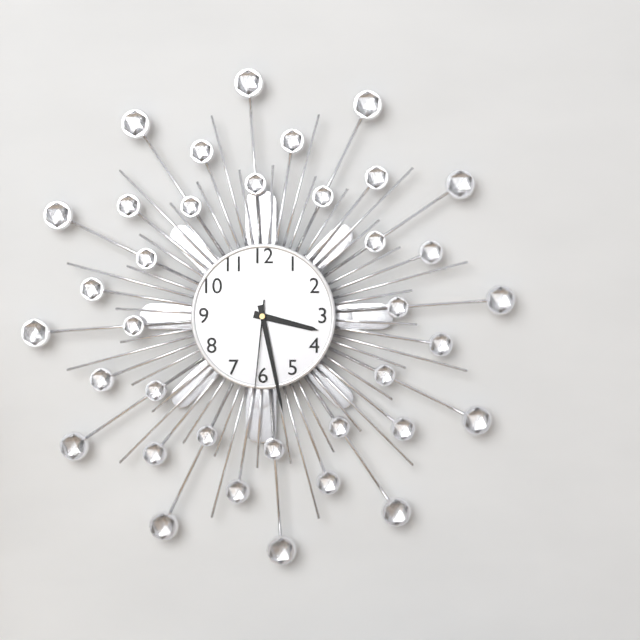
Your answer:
{"hour": 3, "minute": 28, "second": 31}
